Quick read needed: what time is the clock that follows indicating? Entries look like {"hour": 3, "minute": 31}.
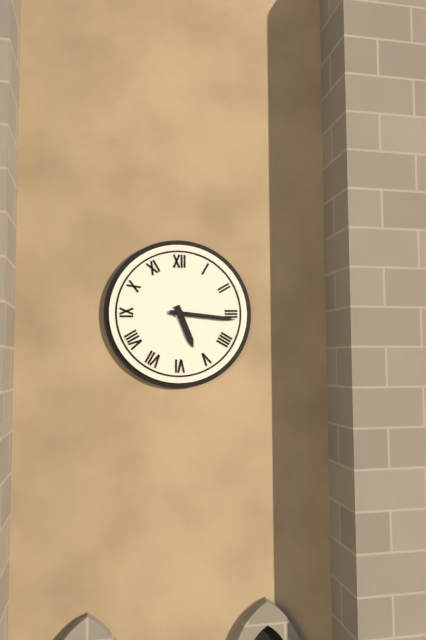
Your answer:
{"hour": 5, "minute": 16}
